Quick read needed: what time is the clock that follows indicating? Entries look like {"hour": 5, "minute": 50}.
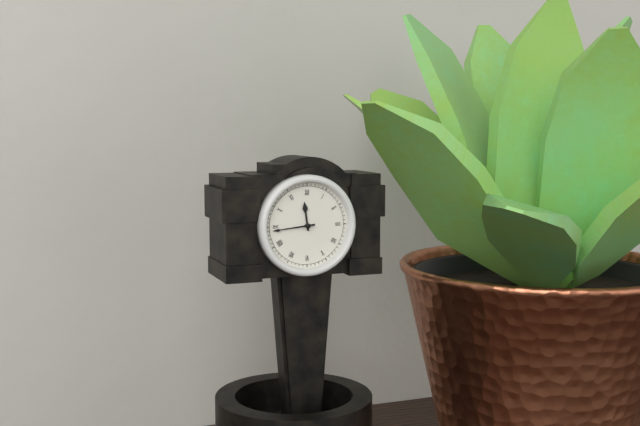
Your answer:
{"hour": 11, "minute": 44}
